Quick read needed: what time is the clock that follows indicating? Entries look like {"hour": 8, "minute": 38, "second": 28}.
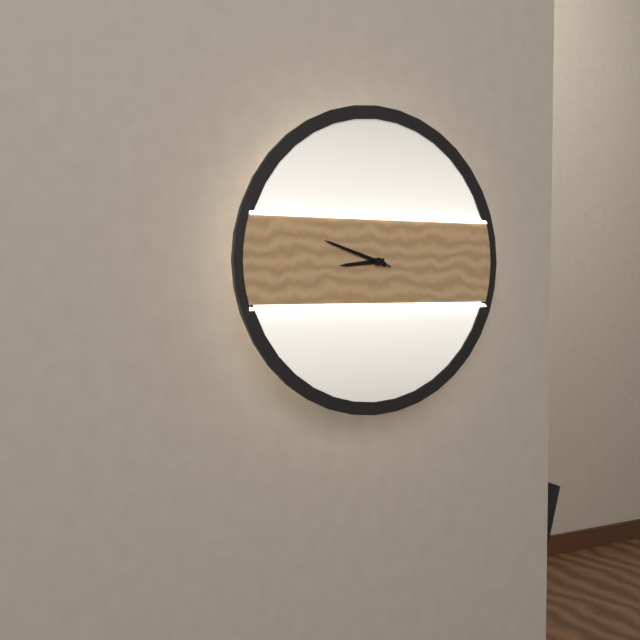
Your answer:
{"hour": 8, "minute": 48, "second": 48}
